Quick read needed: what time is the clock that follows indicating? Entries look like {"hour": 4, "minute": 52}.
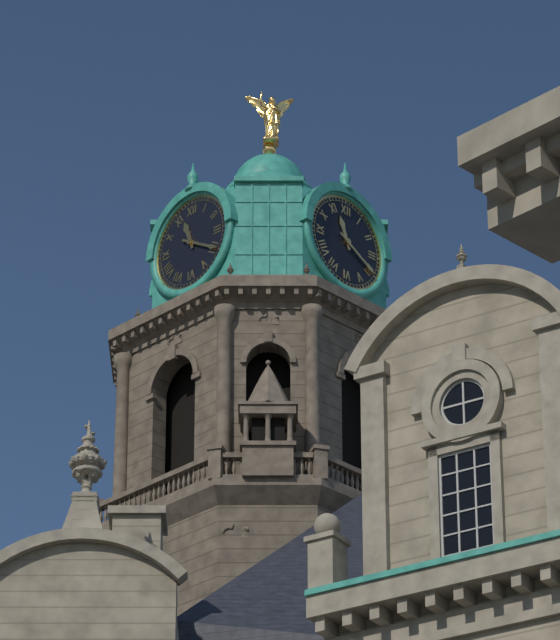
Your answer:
{"hour": 11, "minute": 20}
